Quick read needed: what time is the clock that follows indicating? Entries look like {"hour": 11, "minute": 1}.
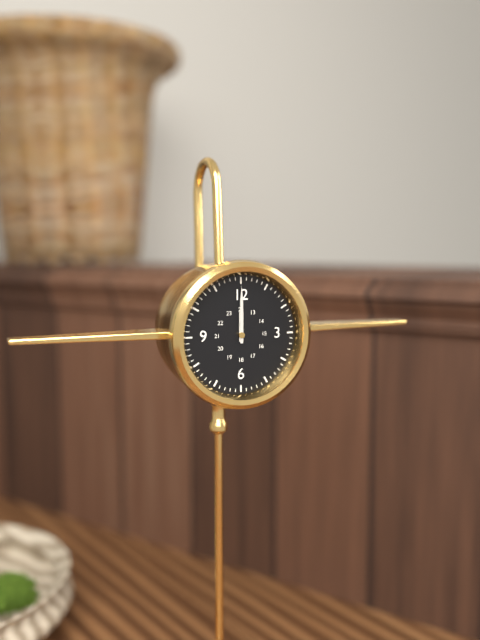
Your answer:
{"hour": 12, "minute": 0}
